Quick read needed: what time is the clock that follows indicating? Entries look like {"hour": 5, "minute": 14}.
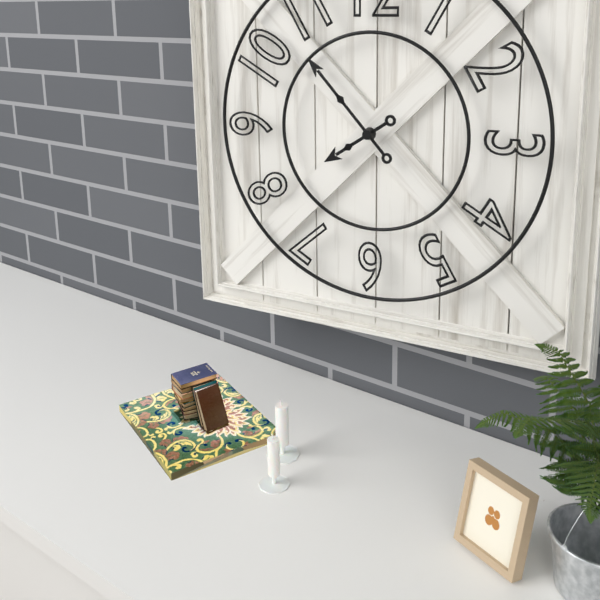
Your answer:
{"hour": 7, "minute": 53}
